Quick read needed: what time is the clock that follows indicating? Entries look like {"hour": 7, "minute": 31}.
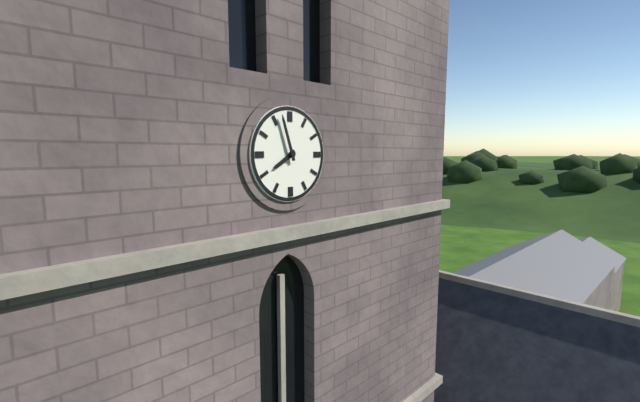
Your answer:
{"hour": 7, "minute": 57}
